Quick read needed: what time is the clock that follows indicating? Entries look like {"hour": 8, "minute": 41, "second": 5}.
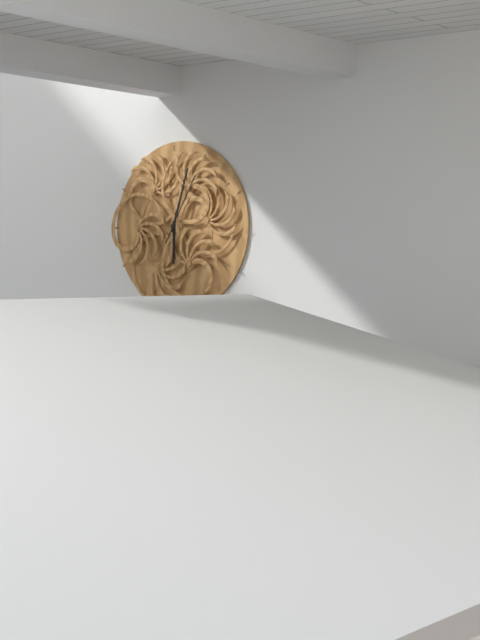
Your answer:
{"hour": 6, "minute": 3, "second": 5}
